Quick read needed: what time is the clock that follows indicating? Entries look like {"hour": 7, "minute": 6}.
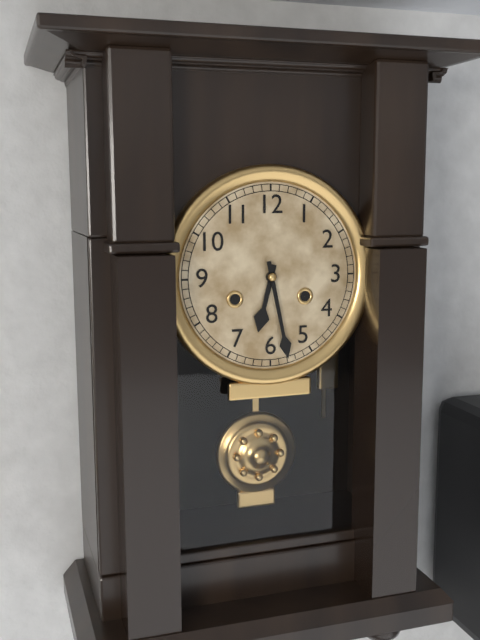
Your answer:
{"hour": 6, "minute": 28}
